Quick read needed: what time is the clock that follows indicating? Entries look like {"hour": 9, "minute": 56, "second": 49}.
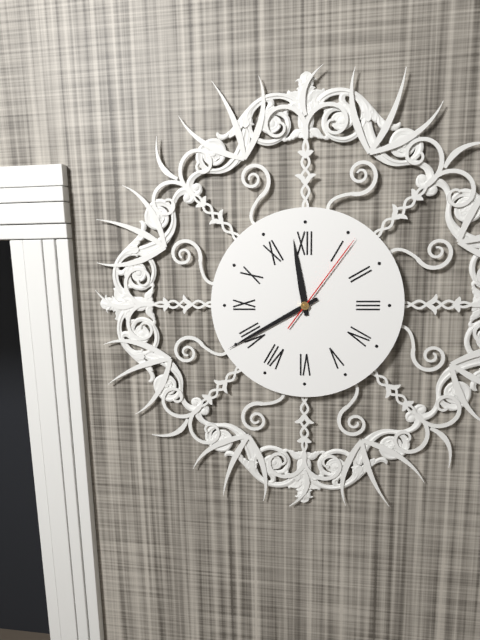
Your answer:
{"hour": 11, "minute": 40, "second": 6}
